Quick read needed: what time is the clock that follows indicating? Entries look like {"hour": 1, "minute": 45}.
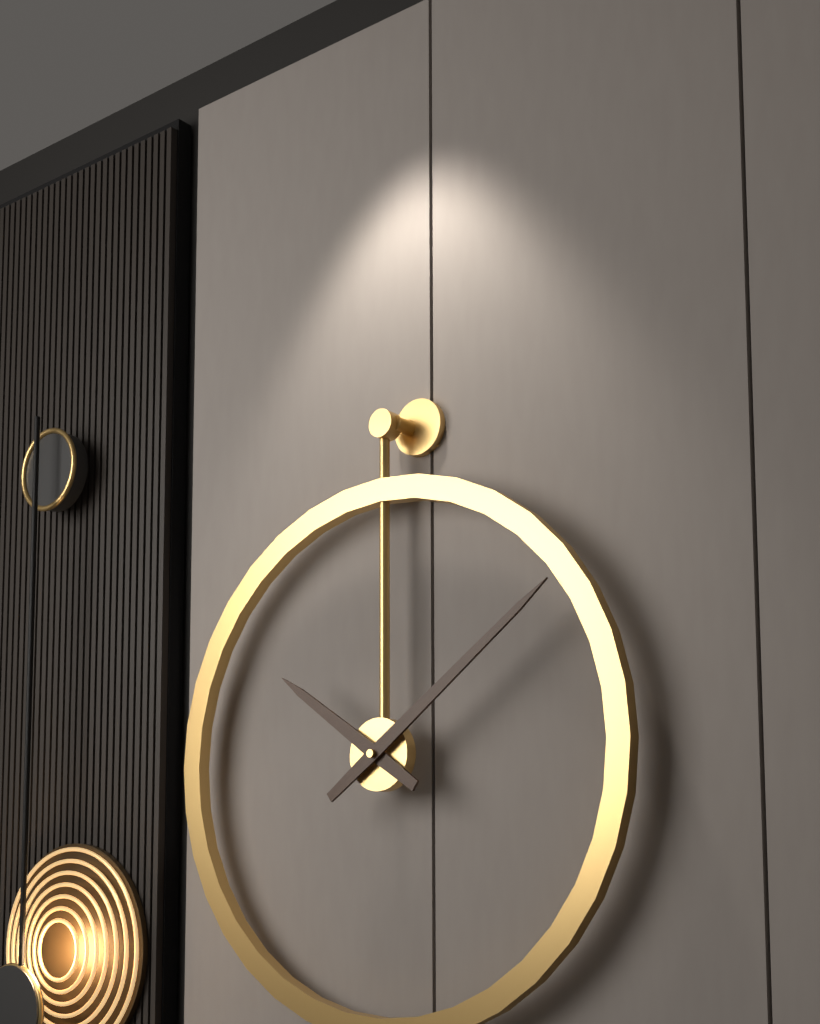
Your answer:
{"hour": 10, "minute": 9}
